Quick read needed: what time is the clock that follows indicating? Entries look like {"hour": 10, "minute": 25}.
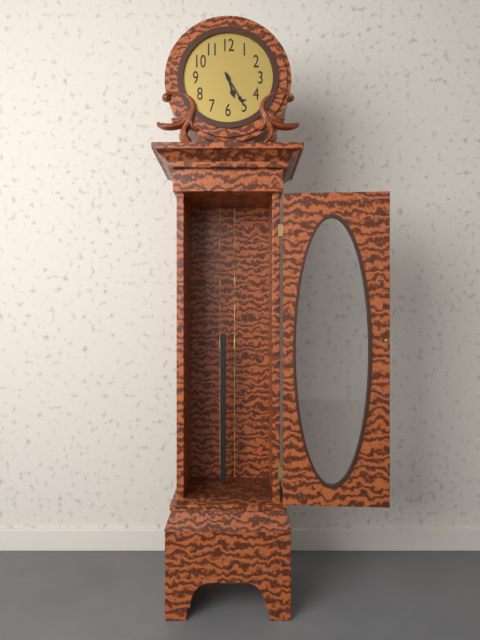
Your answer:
{"hour": 5, "minute": 25}
